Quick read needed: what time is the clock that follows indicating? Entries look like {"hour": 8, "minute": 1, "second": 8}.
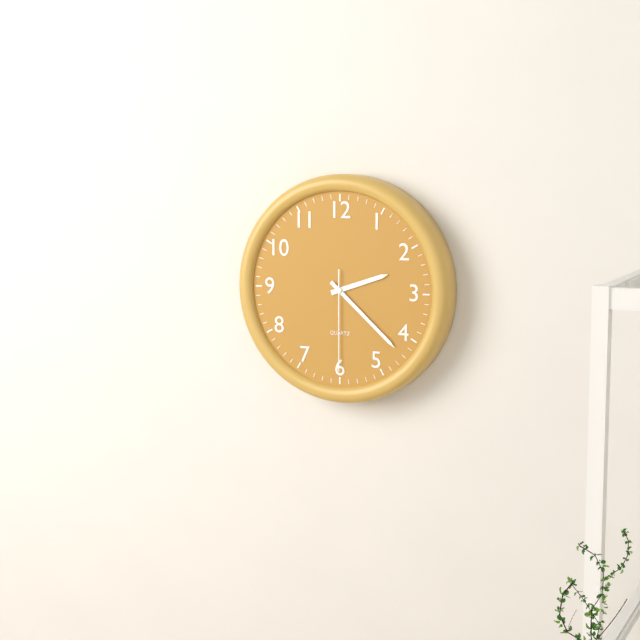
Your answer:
{"hour": 2, "minute": 22, "second": 30}
